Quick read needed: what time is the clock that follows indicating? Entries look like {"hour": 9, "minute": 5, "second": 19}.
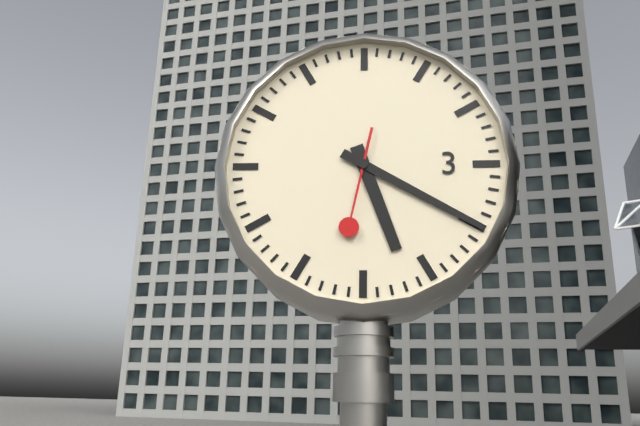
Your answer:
{"hour": 5, "minute": 20, "second": 32}
